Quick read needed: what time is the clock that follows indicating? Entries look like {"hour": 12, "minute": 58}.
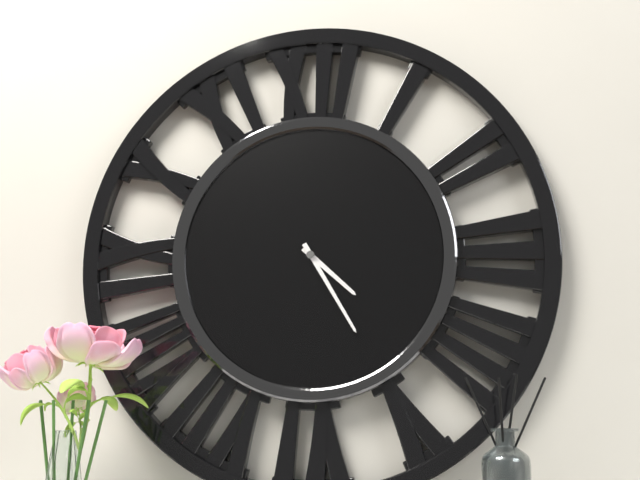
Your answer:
{"hour": 4, "minute": 25}
